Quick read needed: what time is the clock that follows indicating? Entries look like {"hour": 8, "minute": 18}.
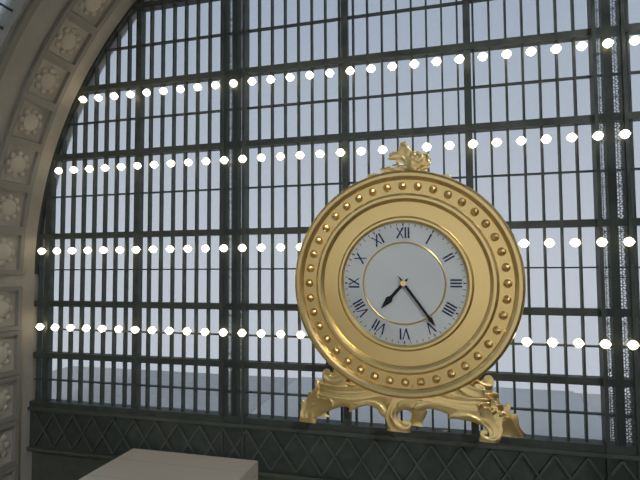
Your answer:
{"hour": 7, "minute": 24}
